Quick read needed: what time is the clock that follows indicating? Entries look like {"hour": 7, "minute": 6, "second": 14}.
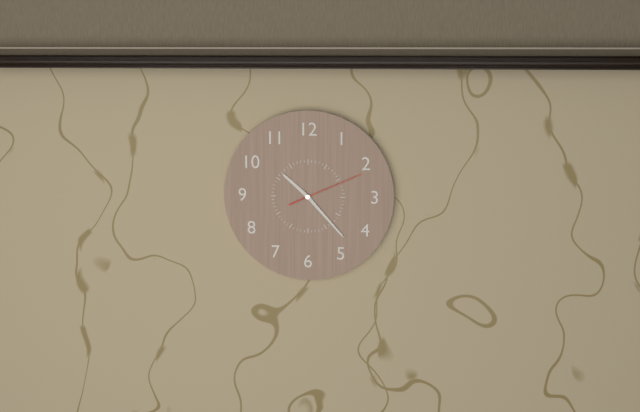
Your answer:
{"hour": 10, "minute": 23, "second": 11}
